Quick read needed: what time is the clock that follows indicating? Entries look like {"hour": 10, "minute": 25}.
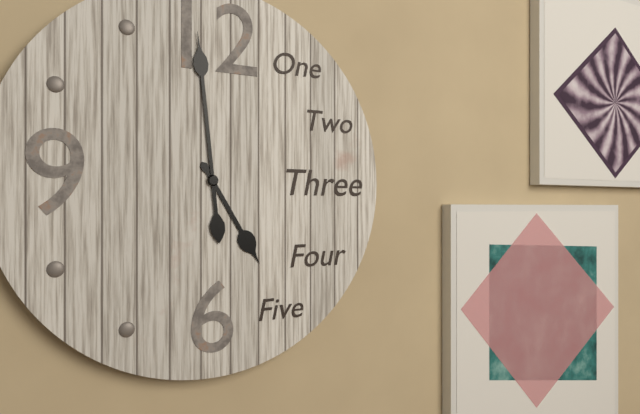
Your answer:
{"hour": 4, "minute": 59}
